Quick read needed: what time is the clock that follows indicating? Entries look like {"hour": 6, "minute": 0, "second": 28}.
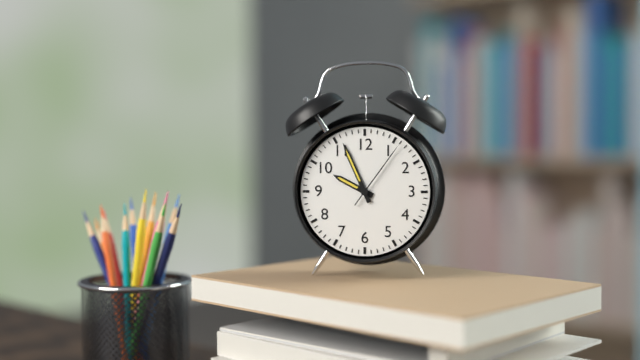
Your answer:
{"hour": 9, "minute": 56, "second": 6}
